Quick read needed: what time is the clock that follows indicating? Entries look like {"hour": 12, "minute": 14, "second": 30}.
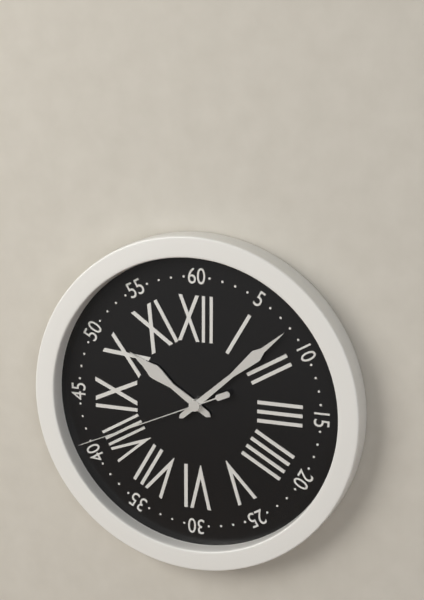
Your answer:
{"hour": 10, "minute": 8, "second": 41}
